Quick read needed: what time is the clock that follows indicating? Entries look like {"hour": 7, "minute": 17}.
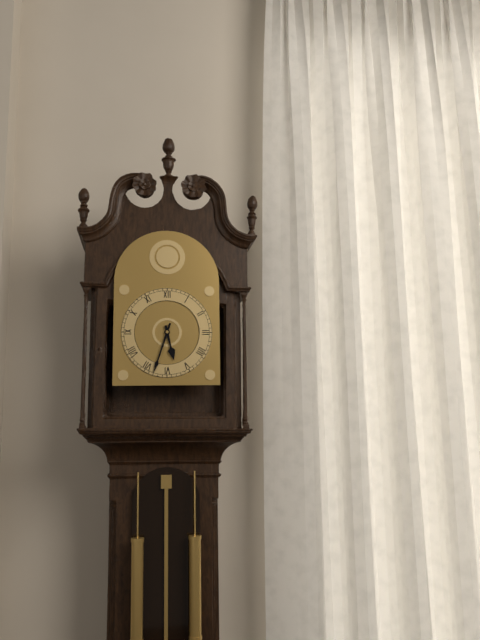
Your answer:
{"hour": 5, "minute": 33}
